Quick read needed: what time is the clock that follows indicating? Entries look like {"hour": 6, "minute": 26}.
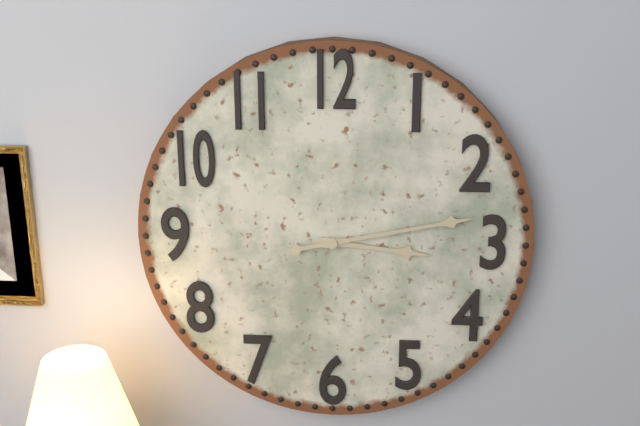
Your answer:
{"hour": 3, "minute": 13}
